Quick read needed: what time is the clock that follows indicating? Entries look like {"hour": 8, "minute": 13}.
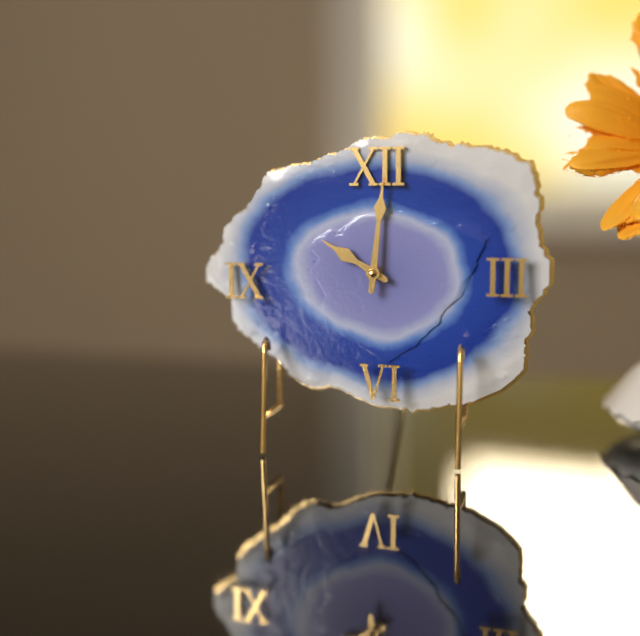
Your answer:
{"hour": 10, "minute": 1}
